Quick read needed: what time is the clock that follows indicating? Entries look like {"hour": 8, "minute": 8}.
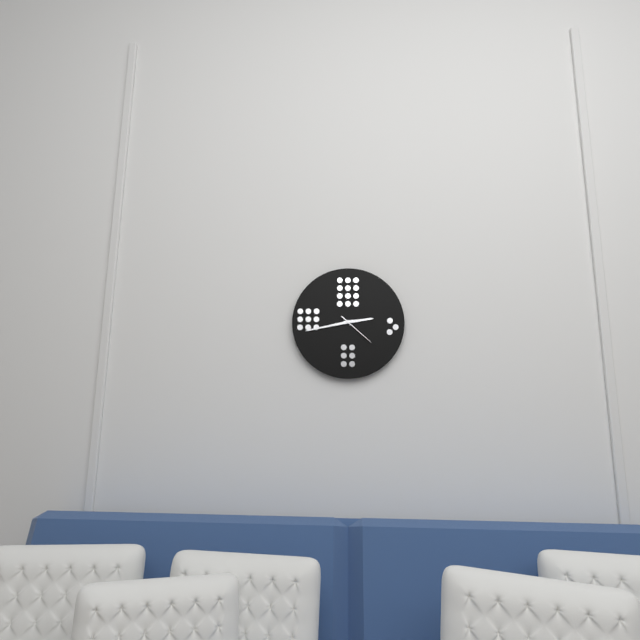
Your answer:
{"hour": 2, "minute": 43}
